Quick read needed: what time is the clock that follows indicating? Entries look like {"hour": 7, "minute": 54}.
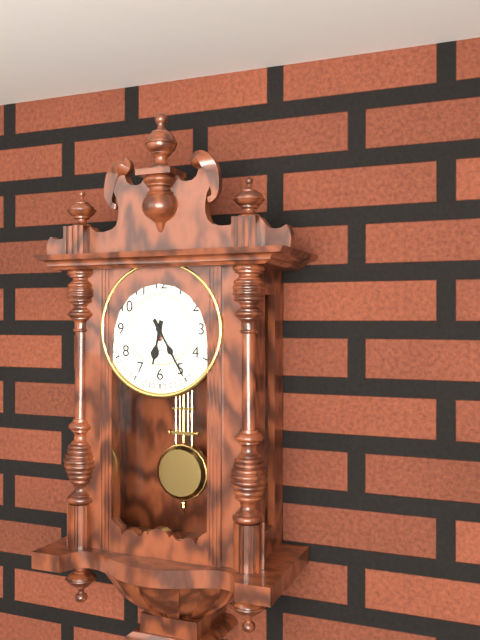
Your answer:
{"hour": 6, "minute": 25}
